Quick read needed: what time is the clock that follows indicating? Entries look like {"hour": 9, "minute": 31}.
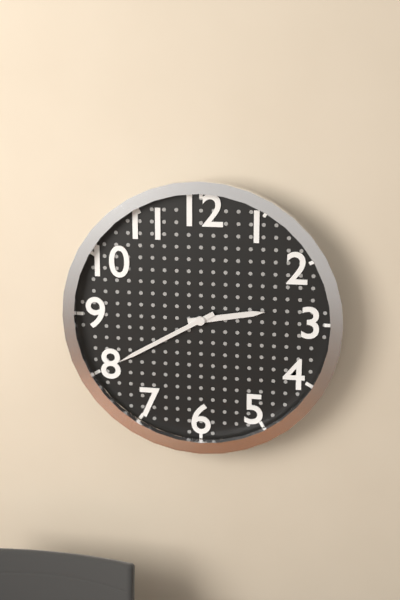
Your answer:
{"hour": 2, "minute": 40}
